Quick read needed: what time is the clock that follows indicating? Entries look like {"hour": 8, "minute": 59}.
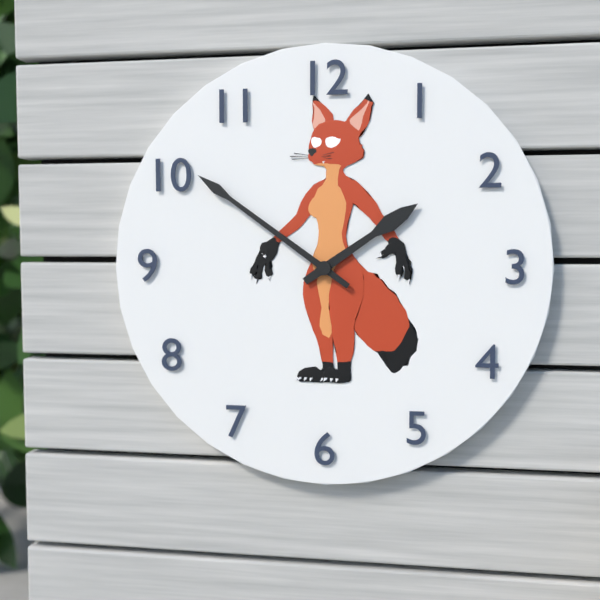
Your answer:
{"hour": 1, "minute": 51}
